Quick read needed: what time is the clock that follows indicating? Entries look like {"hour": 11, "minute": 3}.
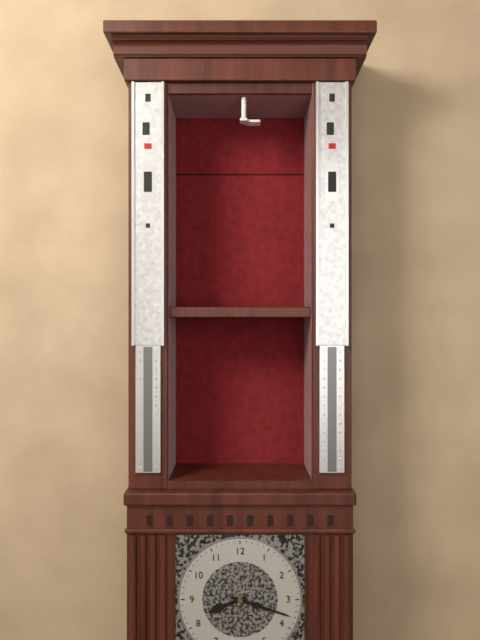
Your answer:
{"hour": 8, "minute": 18}
